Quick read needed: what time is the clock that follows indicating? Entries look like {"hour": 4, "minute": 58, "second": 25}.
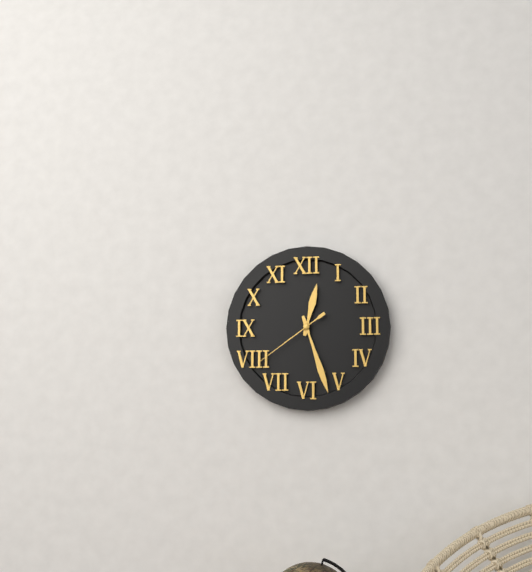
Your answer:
{"hour": 12, "minute": 27, "second": 39}
